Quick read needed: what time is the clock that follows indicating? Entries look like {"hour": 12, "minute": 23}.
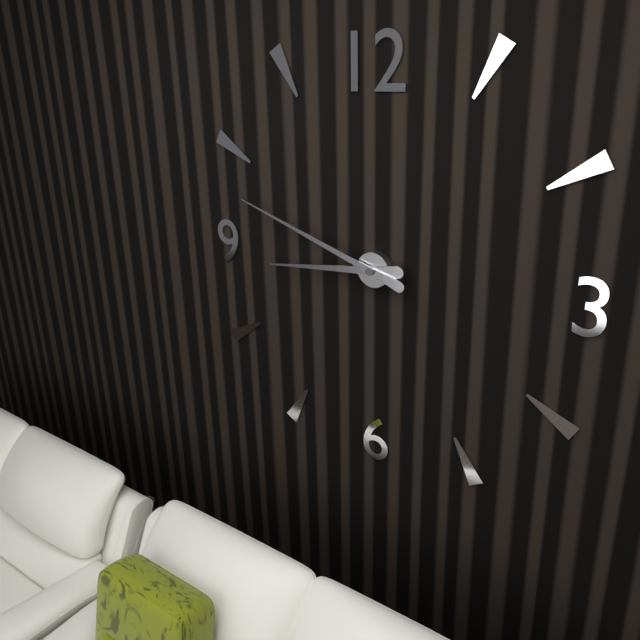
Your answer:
{"hour": 8, "minute": 48}
